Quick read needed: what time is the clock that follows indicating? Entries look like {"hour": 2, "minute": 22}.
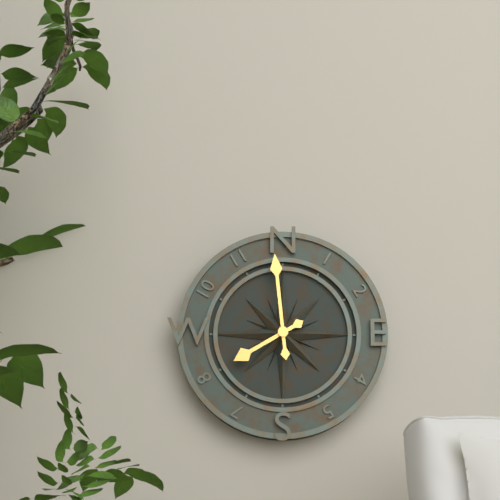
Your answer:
{"hour": 7, "minute": 59}
